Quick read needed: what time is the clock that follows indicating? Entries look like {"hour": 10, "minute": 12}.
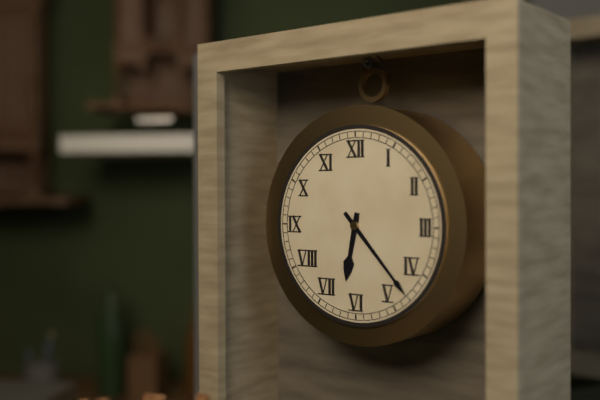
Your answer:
{"hour": 6, "minute": 23}
